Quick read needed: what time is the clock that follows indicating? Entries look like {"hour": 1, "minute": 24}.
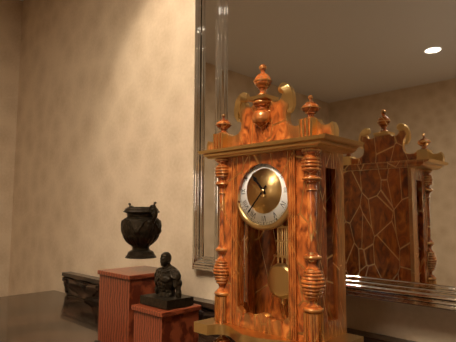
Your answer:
{"hour": 10, "minute": 37}
